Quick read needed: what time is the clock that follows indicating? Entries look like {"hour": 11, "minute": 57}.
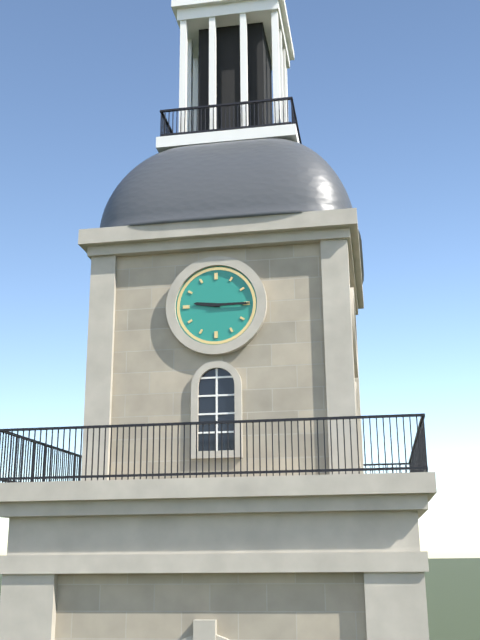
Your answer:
{"hour": 9, "minute": 15}
